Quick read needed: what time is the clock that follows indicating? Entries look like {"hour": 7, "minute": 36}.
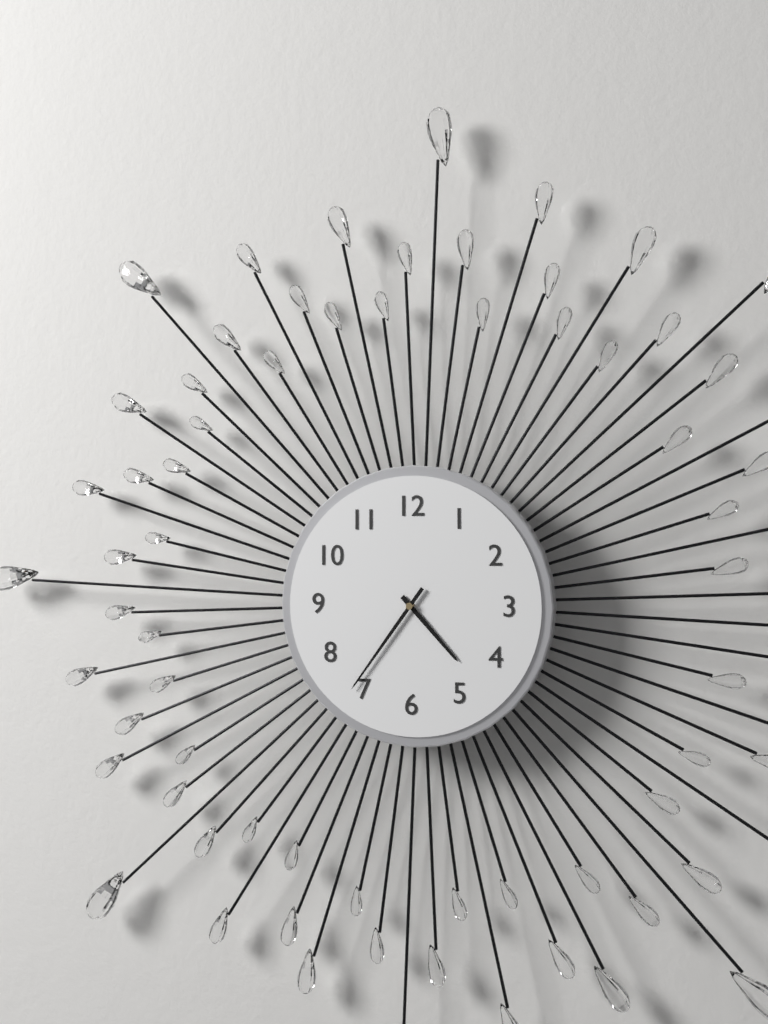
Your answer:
{"hour": 4, "minute": 36}
